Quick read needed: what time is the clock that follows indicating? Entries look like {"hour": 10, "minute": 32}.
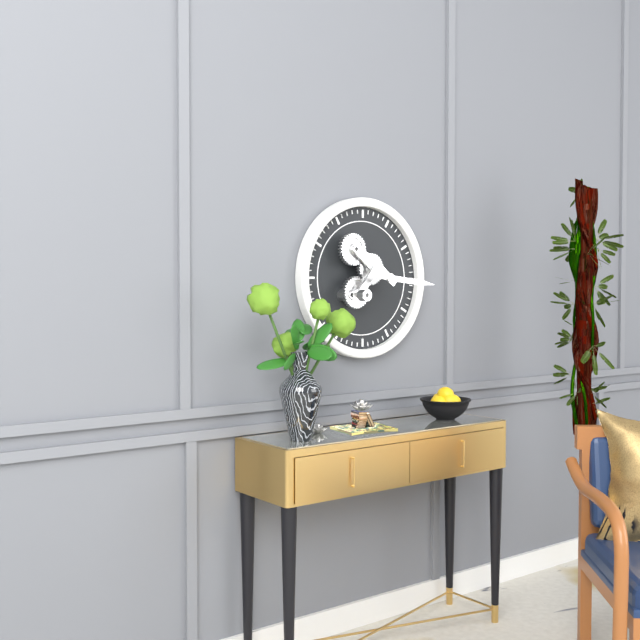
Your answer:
{"hour": 10, "minute": 16}
